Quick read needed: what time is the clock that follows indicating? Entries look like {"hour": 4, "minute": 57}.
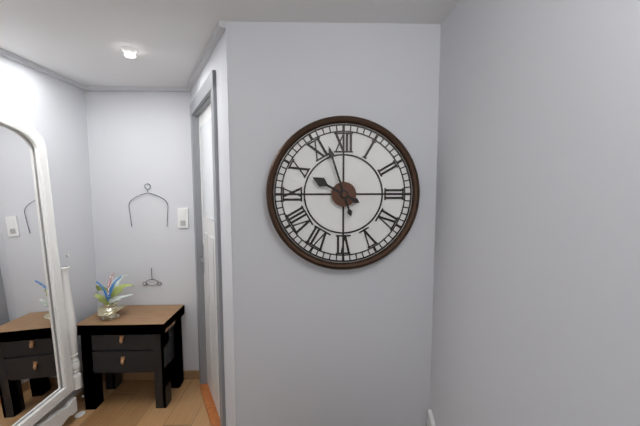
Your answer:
{"hour": 9, "minute": 57}
